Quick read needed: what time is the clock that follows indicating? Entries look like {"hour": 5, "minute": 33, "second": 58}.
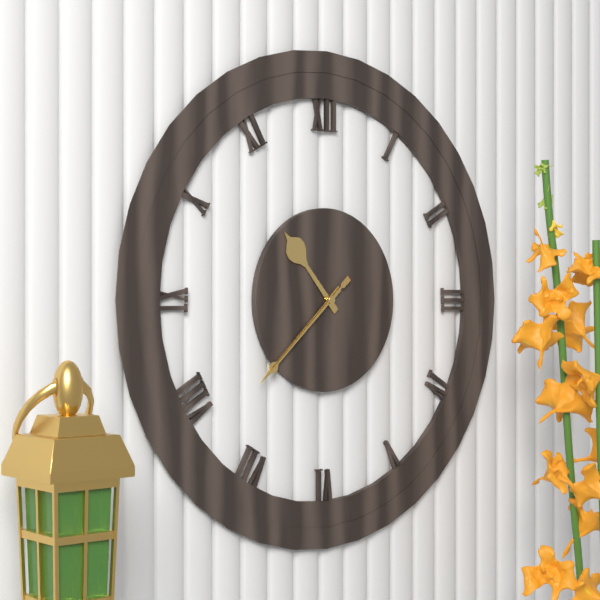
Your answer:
{"hour": 10, "minute": 38, "second": 38}
